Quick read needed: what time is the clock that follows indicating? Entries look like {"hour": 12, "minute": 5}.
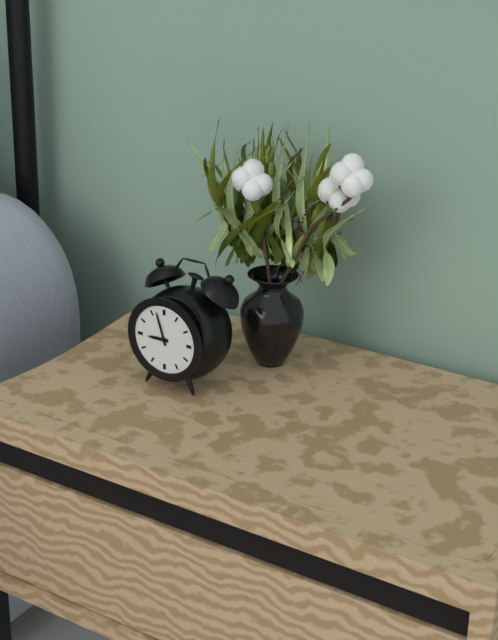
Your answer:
{"hour": 8, "minute": 57}
